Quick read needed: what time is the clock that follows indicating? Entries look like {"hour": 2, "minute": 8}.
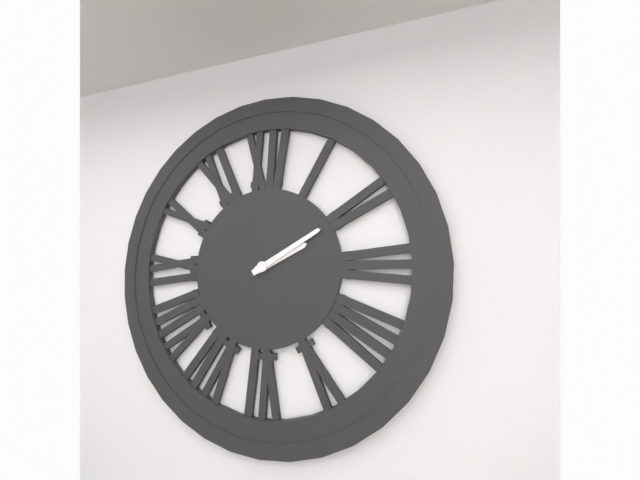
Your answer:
{"hour": 2, "minute": 10}
